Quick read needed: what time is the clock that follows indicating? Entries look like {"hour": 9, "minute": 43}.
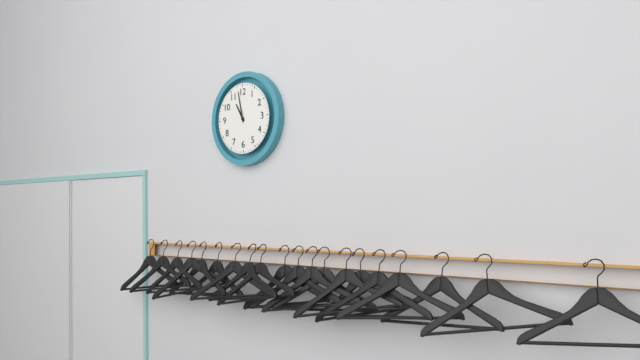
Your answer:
{"hour": 10, "minute": 58}
